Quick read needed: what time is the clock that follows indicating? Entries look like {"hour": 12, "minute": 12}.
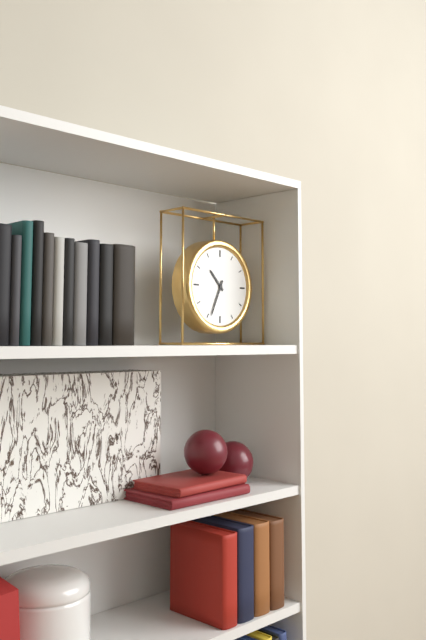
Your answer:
{"hour": 10, "minute": 34}
